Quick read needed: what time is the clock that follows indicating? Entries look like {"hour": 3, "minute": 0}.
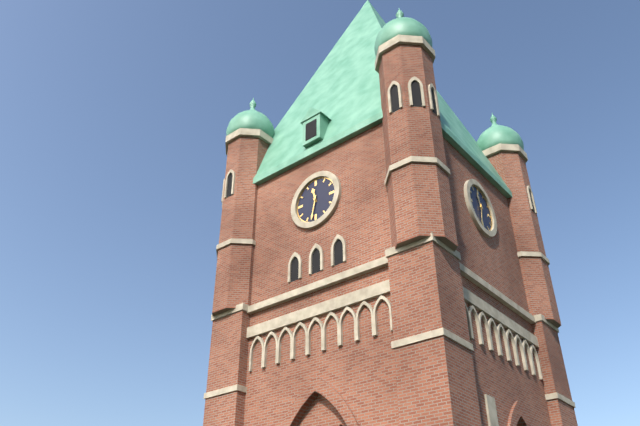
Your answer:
{"hour": 11, "minute": 32}
